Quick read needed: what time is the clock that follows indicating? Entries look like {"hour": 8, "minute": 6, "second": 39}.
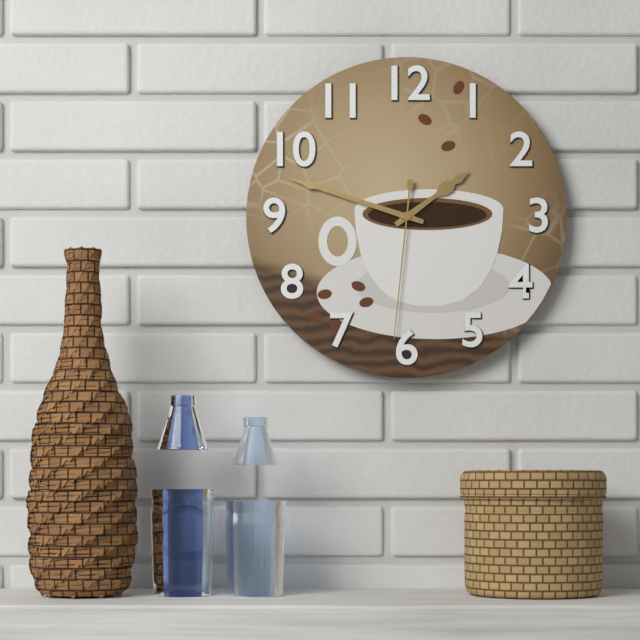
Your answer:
{"hour": 1, "minute": 48, "second": 31}
